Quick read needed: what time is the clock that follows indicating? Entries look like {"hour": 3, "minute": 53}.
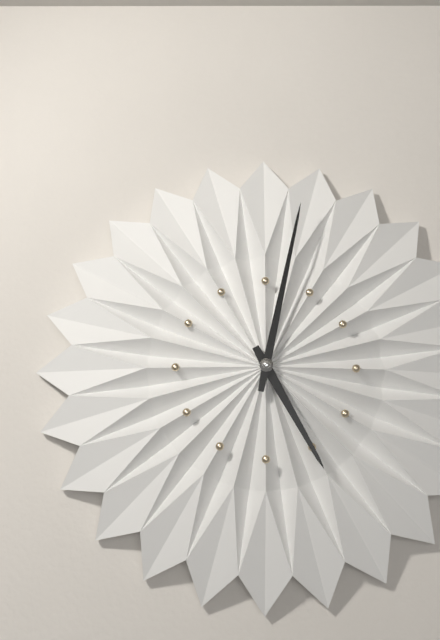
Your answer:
{"hour": 5, "minute": 2}
